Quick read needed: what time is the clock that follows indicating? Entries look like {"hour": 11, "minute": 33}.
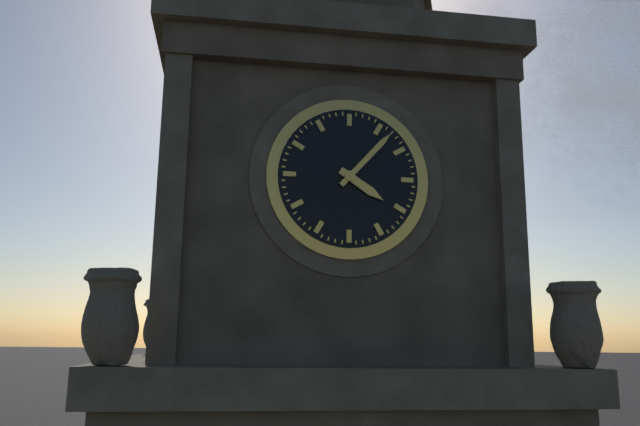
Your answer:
{"hour": 4, "minute": 7}
